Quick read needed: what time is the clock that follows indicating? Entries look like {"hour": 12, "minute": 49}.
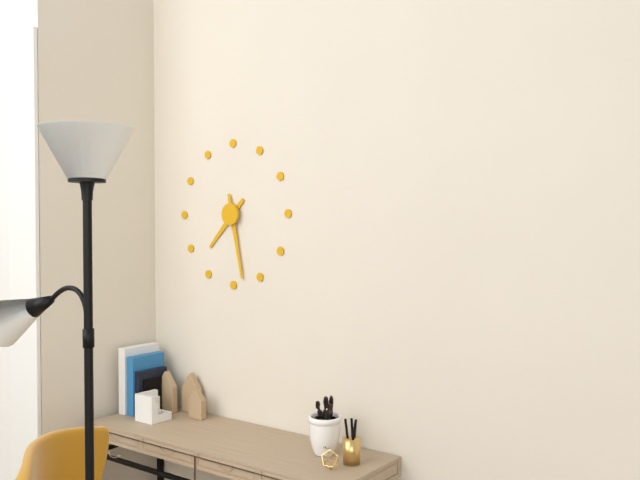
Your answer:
{"hour": 7, "minute": 28}
